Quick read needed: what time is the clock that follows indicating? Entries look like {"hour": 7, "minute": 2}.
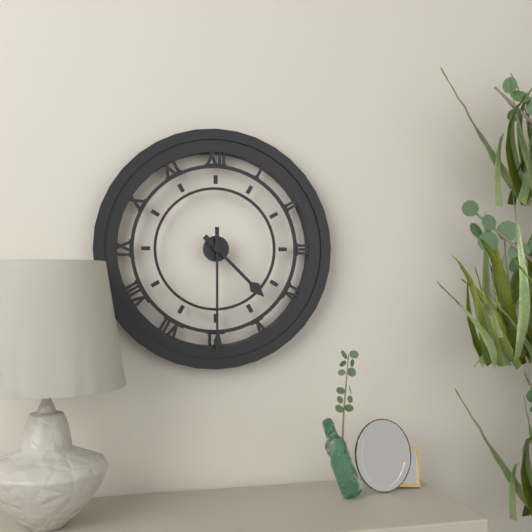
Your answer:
{"hour": 4, "minute": 30}
